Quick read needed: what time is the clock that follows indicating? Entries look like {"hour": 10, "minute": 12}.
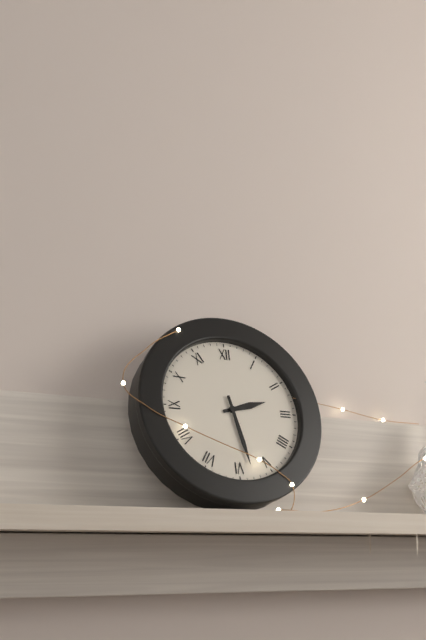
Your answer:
{"hour": 2, "minute": 28}
